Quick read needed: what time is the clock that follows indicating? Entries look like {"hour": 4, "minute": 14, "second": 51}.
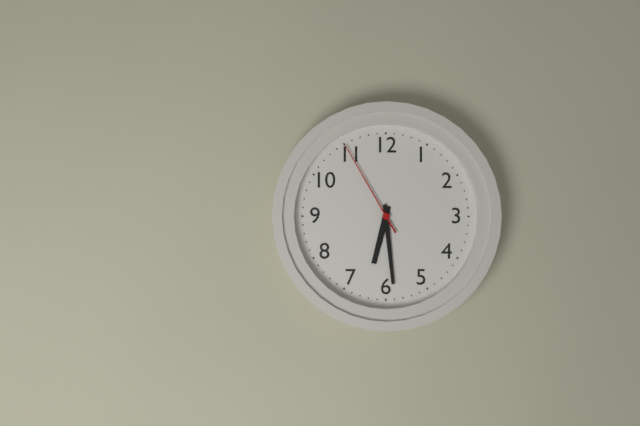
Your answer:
{"hour": 6, "minute": 29, "second": 55}
